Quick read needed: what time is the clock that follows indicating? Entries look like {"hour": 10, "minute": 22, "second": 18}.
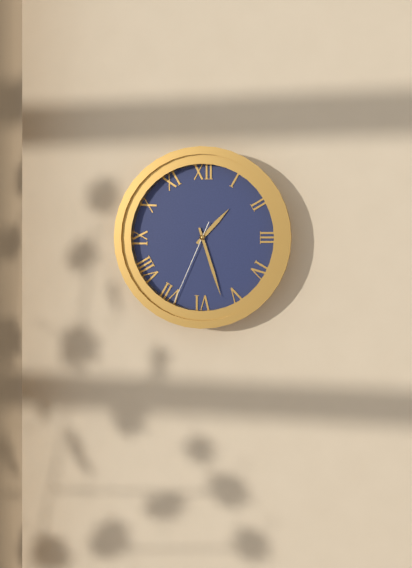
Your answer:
{"hour": 1, "minute": 27, "second": 34}
